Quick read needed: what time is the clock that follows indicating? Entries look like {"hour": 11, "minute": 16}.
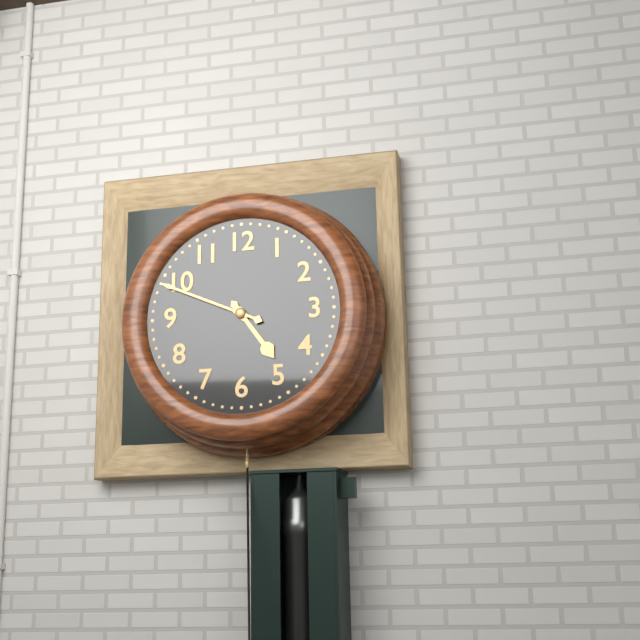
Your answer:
{"hour": 4, "minute": 49}
